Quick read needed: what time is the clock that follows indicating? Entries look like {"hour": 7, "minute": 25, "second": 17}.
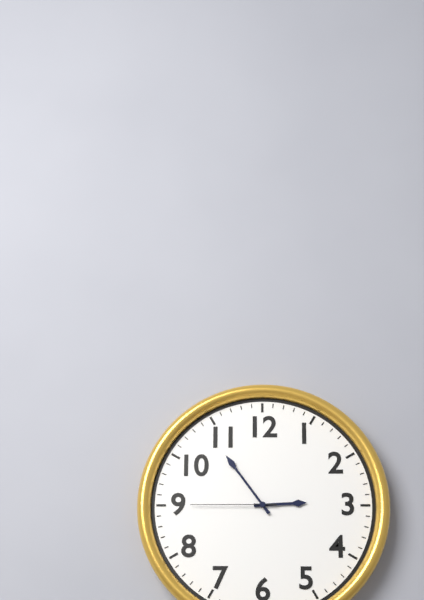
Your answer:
{"hour": 2, "minute": 54, "second": 45}
